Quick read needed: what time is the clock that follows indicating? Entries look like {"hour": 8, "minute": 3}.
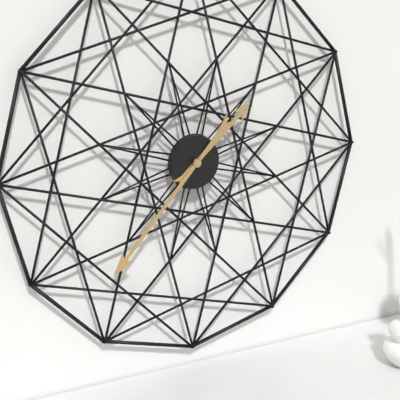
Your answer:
{"hour": 1, "minute": 37}
